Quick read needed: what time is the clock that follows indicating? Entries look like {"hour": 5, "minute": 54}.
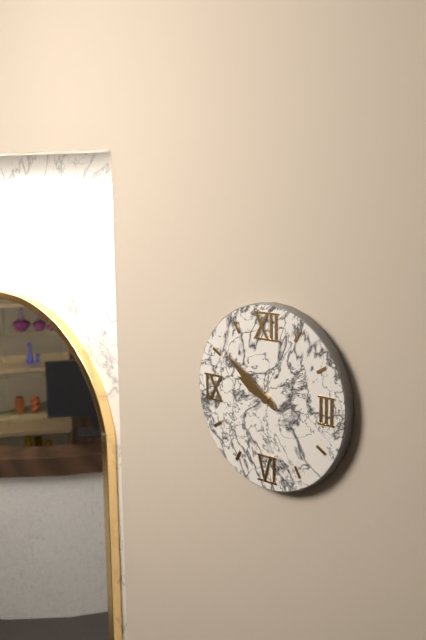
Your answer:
{"hour": 9, "minute": 51}
